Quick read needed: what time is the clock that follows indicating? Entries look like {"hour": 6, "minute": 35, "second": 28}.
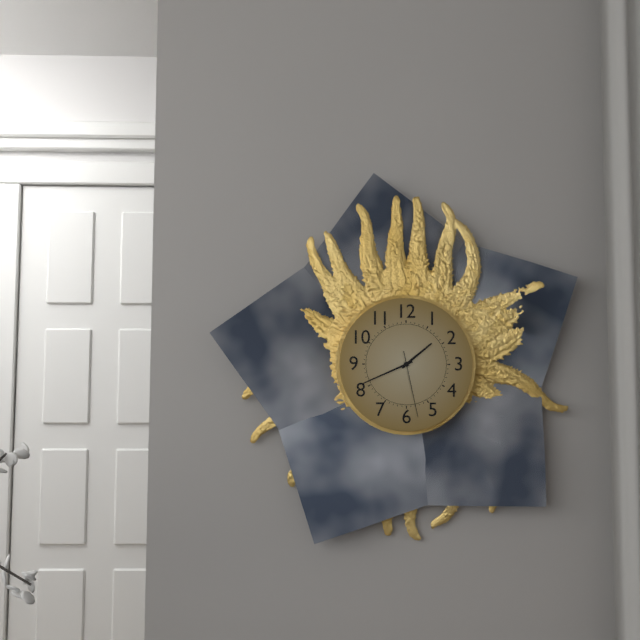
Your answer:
{"hour": 1, "minute": 41, "second": 28}
